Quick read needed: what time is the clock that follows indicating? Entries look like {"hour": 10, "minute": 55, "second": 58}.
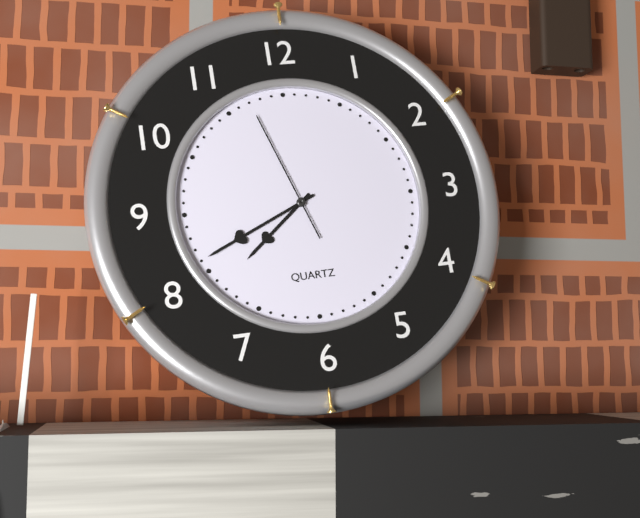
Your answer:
{"hour": 7, "minute": 41, "second": 57}
